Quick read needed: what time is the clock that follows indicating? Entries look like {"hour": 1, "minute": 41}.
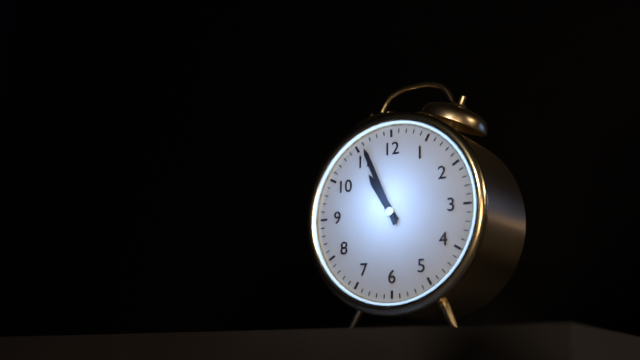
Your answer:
{"hour": 10, "minute": 56}
